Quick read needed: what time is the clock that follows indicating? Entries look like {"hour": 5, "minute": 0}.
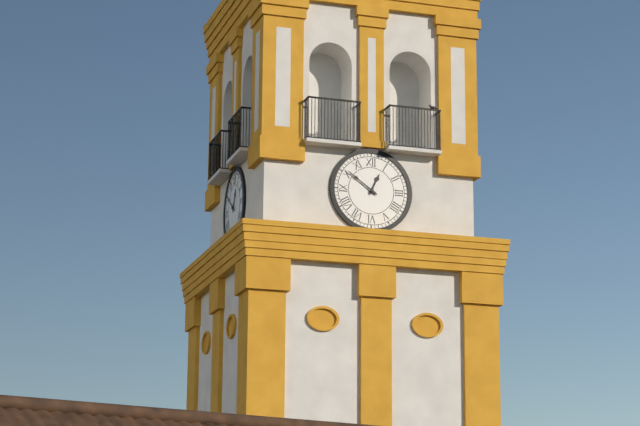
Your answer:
{"hour": 12, "minute": 51}
